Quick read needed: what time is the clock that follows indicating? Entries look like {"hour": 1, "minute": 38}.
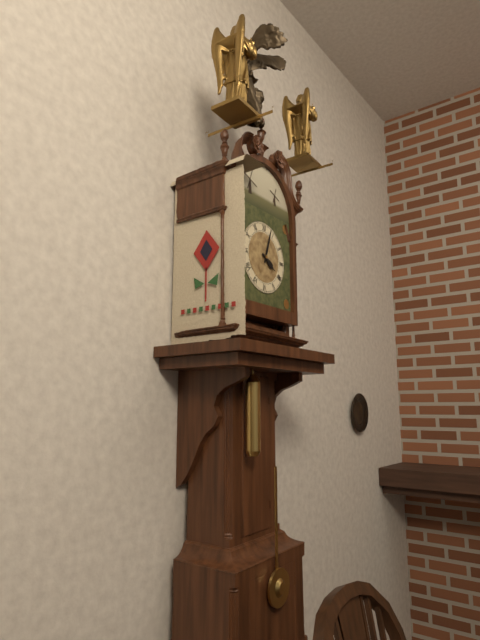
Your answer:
{"hour": 4, "minute": 3}
